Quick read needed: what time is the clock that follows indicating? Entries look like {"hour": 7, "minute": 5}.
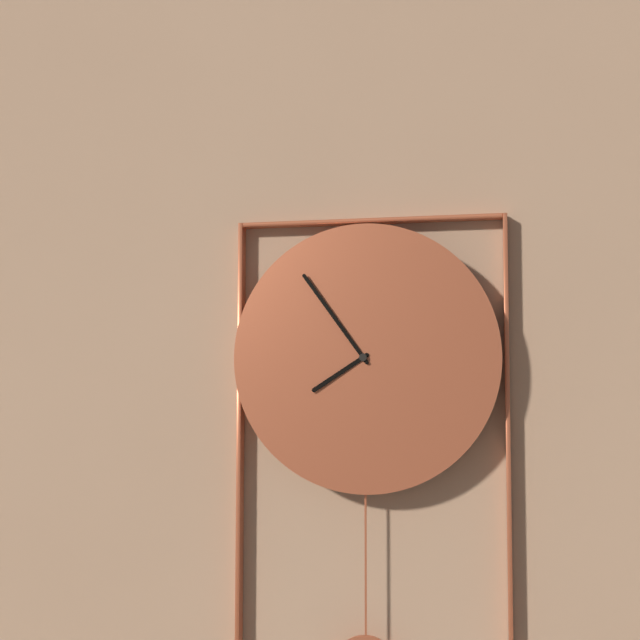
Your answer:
{"hour": 7, "minute": 54}
